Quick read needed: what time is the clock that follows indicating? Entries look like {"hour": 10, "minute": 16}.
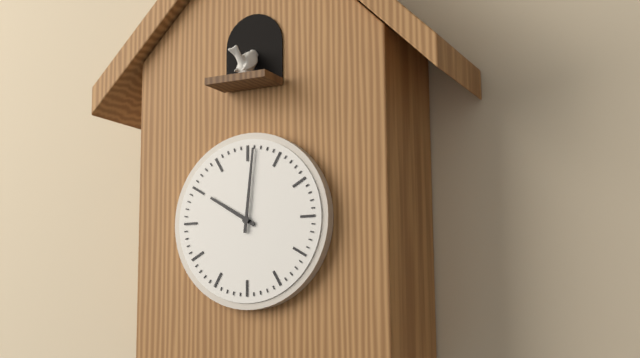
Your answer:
{"hour": 10, "minute": 1}
